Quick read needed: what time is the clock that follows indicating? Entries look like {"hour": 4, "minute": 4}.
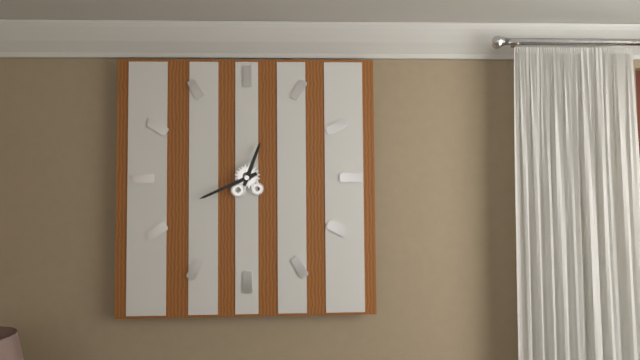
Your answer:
{"hour": 12, "minute": 41}
